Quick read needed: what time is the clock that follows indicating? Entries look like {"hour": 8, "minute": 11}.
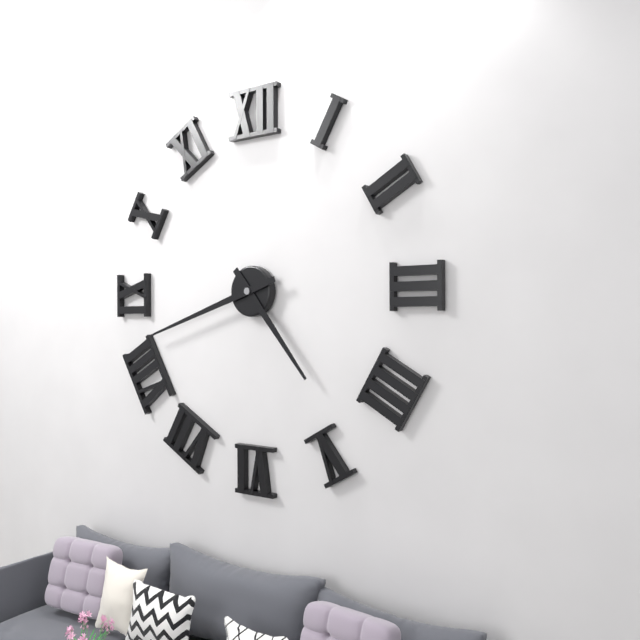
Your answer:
{"hour": 4, "minute": 42}
